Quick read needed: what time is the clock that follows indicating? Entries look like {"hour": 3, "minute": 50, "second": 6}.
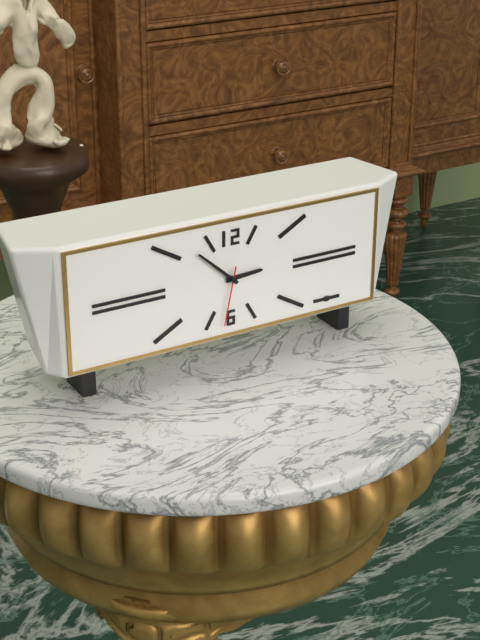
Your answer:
{"hour": 2, "minute": 52, "second": 32}
